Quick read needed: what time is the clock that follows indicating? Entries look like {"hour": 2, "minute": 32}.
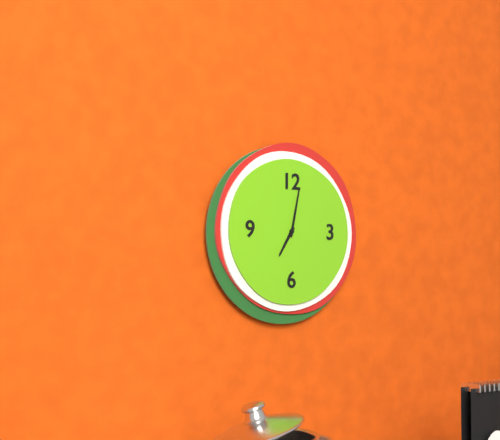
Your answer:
{"hour": 7, "minute": 2}
